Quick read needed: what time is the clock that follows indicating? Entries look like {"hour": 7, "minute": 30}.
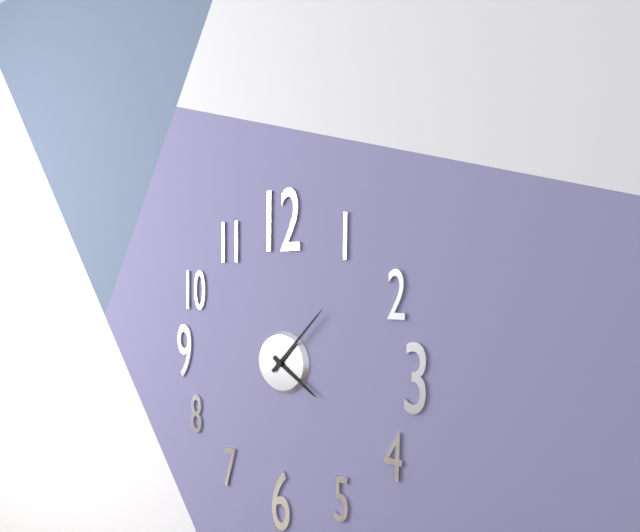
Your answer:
{"hour": 4, "minute": 7}
